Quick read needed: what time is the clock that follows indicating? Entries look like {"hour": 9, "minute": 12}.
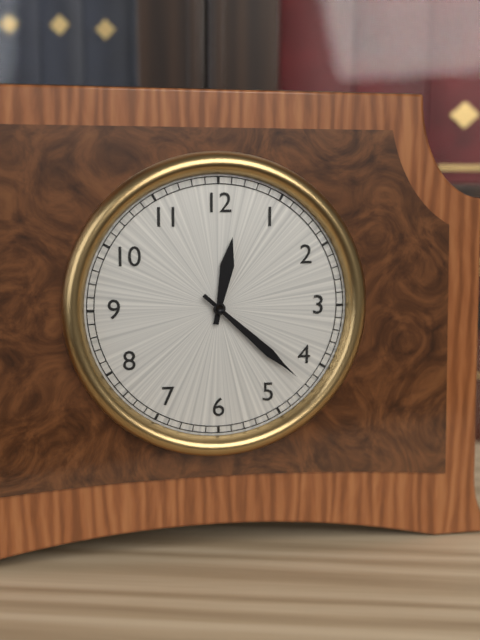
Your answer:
{"hour": 12, "minute": 22}
